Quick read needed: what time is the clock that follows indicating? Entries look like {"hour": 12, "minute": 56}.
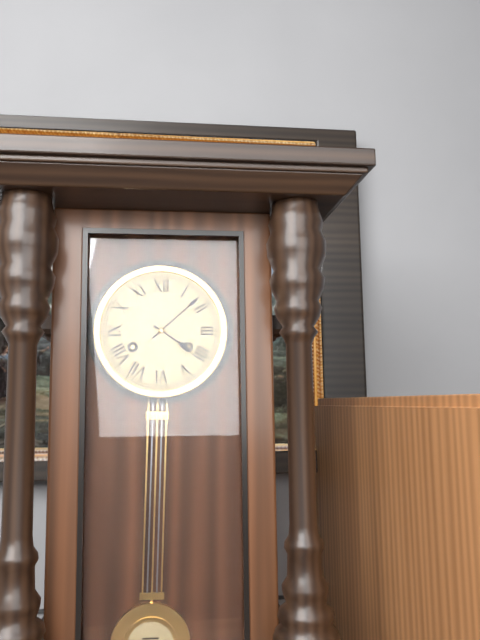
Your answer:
{"hour": 4, "minute": 8}
